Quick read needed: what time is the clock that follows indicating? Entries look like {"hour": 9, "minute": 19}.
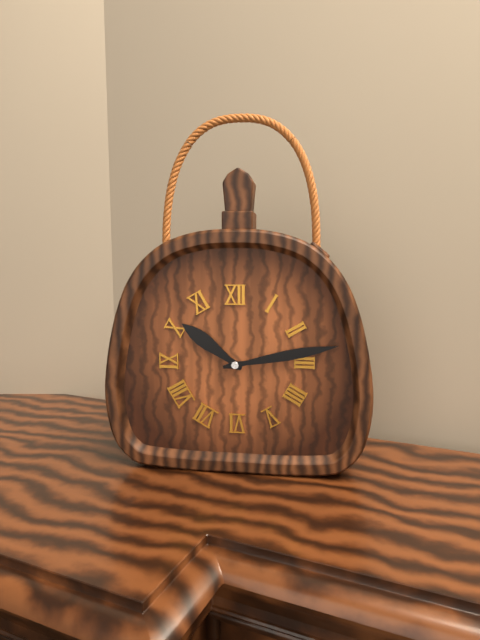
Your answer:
{"hour": 10, "minute": 13}
